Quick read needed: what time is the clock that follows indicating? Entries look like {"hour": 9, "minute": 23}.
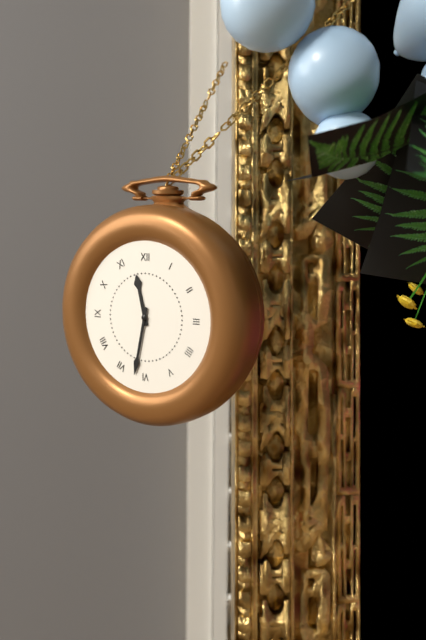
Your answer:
{"hour": 11, "minute": 32}
